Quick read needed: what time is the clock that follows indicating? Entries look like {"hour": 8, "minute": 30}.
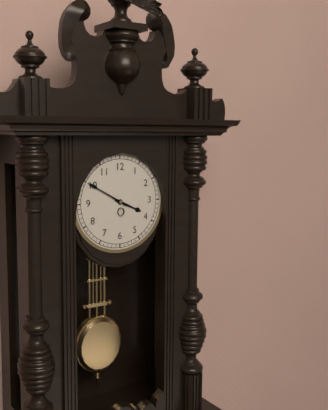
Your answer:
{"hour": 3, "minute": 50}
